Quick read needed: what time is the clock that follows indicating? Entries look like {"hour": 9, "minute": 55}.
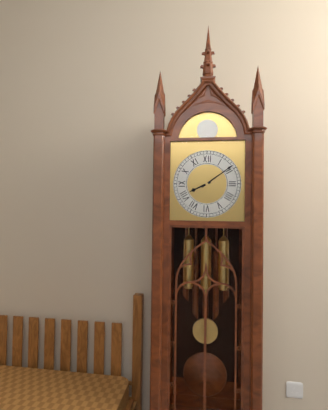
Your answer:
{"hour": 8, "minute": 9}
